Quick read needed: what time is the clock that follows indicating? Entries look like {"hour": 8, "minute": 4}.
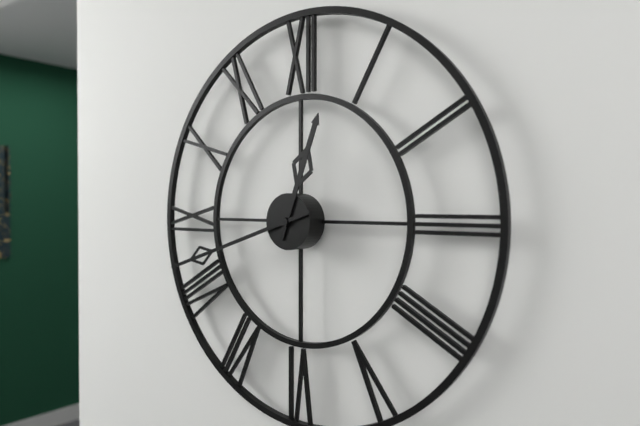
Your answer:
{"hour": 12, "minute": 42}
